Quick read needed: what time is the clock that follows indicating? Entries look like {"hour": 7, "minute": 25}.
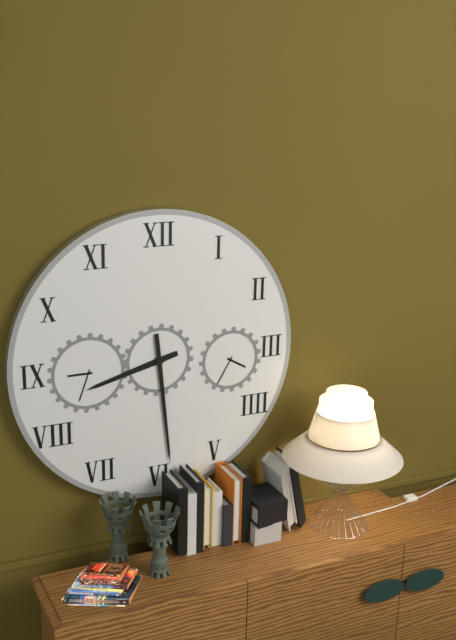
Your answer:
{"hour": 8, "minute": 29}
